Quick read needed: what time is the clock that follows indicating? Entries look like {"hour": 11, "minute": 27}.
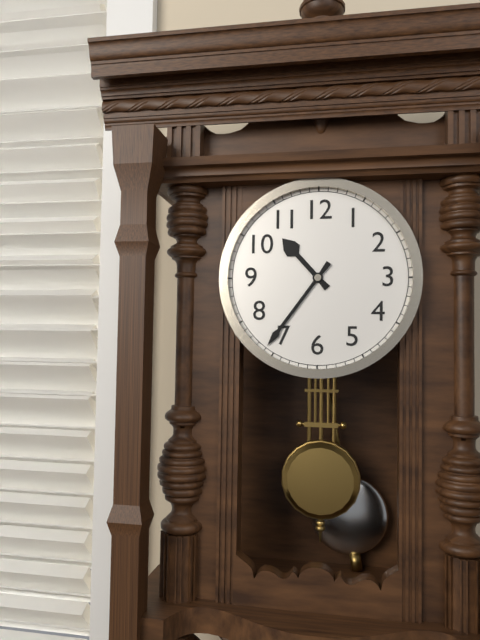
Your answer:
{"hour": 10, "minute": 36}
